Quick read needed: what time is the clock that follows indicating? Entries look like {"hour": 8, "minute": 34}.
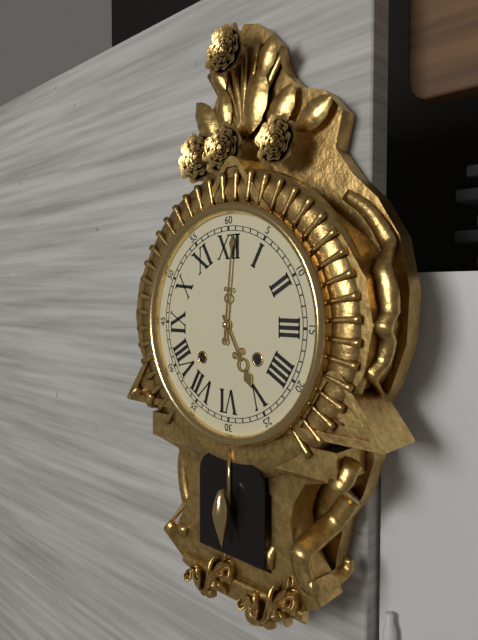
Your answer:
{"hour": 5, "minute": 1}
